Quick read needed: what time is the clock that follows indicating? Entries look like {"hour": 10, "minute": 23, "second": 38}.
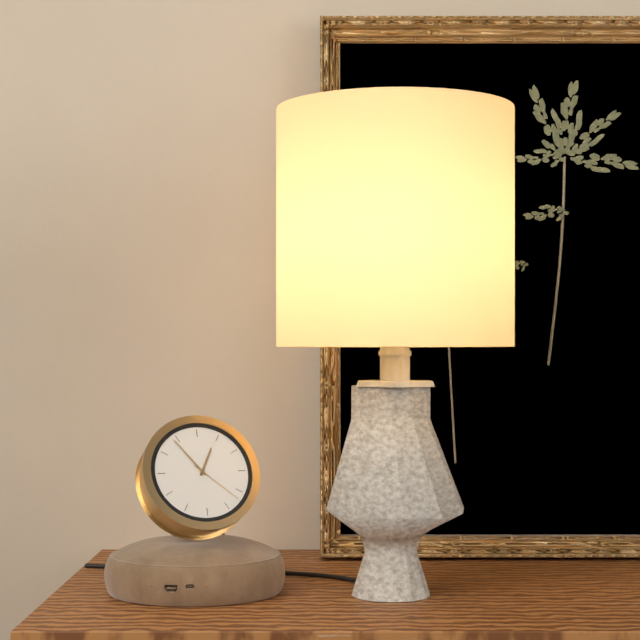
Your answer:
{"hour": 12, "minute": 54, "second": 22}
